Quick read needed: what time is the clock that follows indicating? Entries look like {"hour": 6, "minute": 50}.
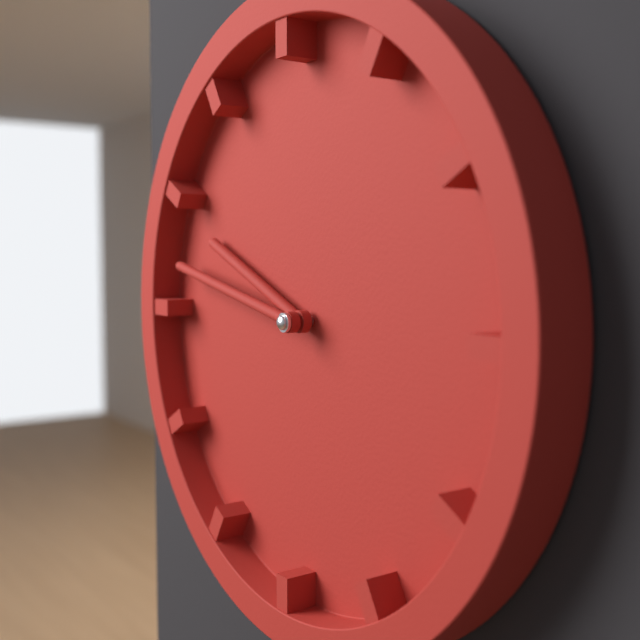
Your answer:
{"hour": 9, "minute": 47}
